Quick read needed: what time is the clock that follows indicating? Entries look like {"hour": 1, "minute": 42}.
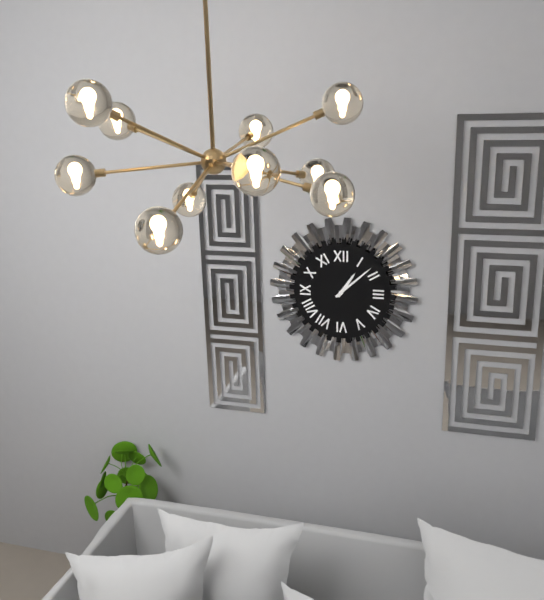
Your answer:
{"hour": 1, "minute": 8}
